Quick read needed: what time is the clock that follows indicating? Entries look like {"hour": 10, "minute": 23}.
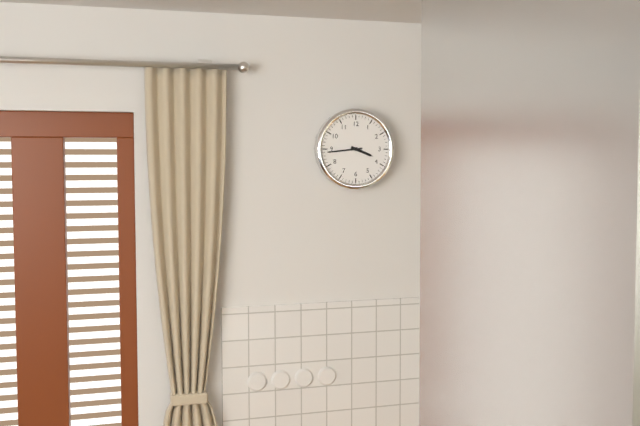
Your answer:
{"hour": 3, "minute": 44}
